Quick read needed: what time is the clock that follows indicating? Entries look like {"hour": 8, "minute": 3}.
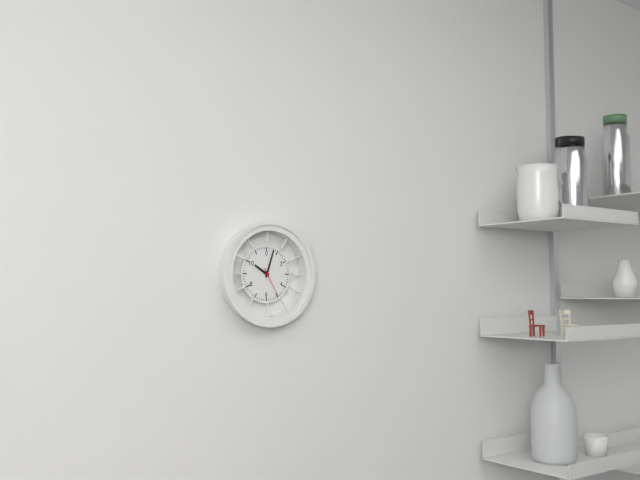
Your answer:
{"hour": 10, "minute": 3}
